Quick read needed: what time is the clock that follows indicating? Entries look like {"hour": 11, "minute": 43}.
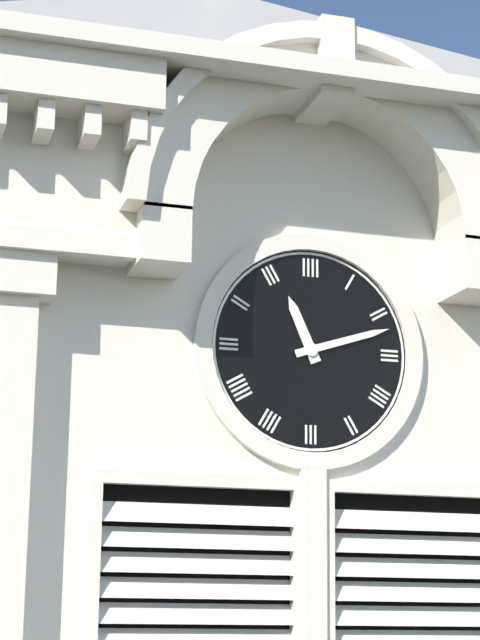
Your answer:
{"hour": 11, "minute": 12}
